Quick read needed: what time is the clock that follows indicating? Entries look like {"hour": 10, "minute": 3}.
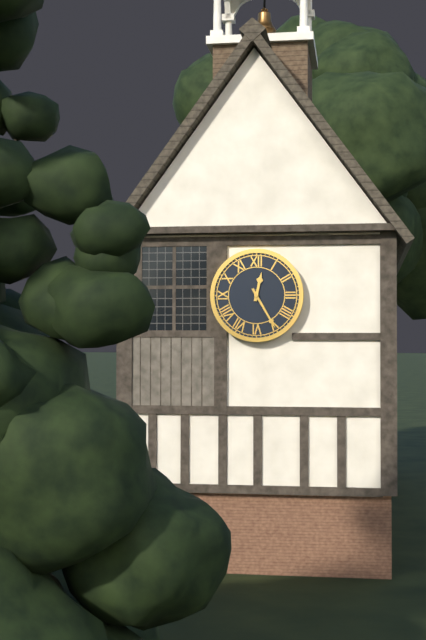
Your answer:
{"hour": 12, "minute": 25}
